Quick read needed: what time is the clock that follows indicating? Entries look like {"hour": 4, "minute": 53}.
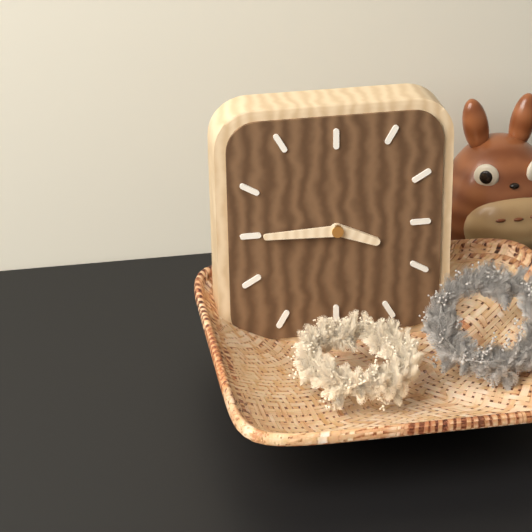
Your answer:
{"hour": 3, "minute": 45}
